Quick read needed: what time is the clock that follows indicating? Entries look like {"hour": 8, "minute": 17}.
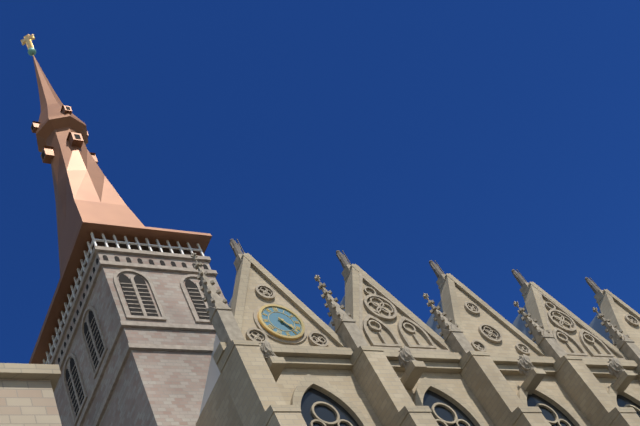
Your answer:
{"hour": 4, "minute": 24}
